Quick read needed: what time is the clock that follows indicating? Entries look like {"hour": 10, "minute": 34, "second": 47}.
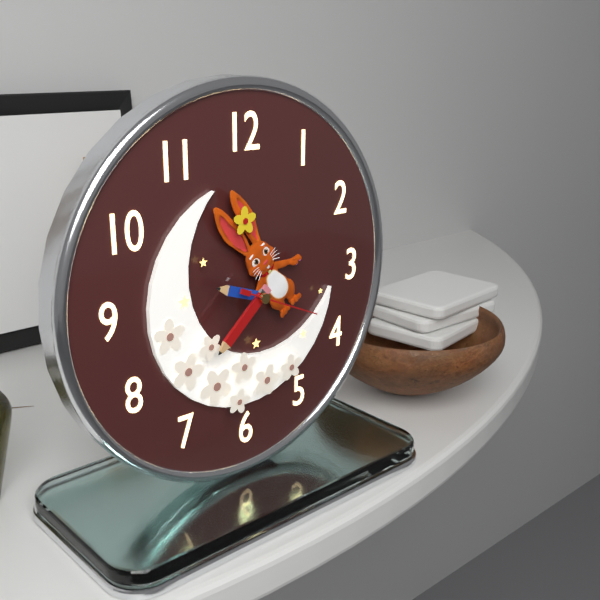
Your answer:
{"hour": 9, "minute": 38, "second": 19}
